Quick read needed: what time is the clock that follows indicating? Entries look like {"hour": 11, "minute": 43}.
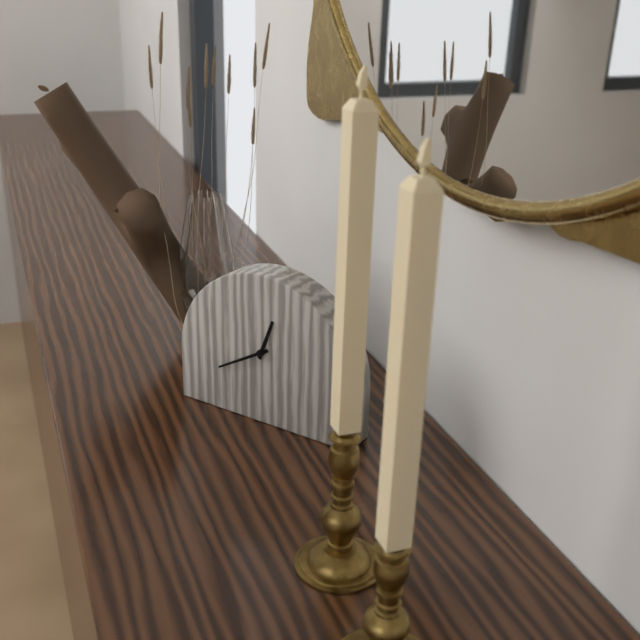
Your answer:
{"hour": 12, "minute": 40}
